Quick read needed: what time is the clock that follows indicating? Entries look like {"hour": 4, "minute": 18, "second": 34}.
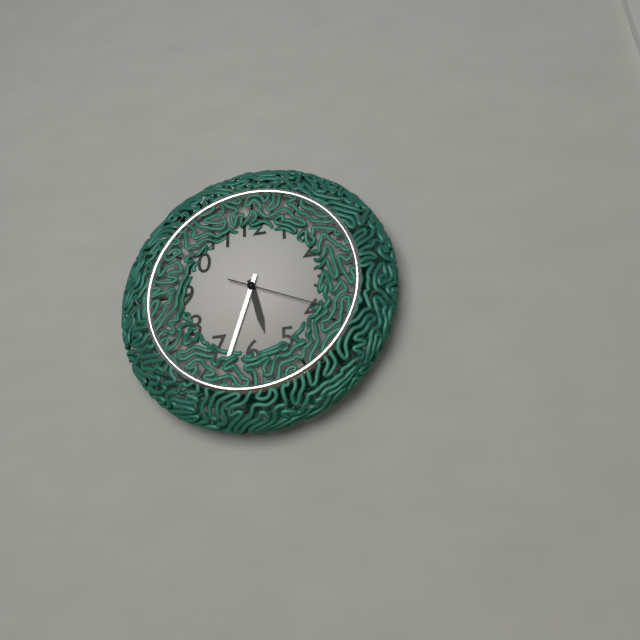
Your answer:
{"hour": 5, "minute": 33, "second": 19}
